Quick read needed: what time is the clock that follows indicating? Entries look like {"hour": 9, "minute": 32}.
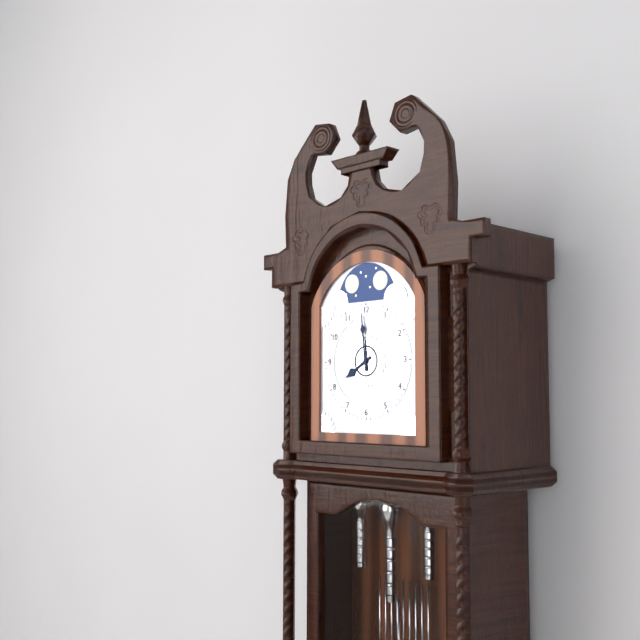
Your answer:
{"hour": 7, "minute": 59}
